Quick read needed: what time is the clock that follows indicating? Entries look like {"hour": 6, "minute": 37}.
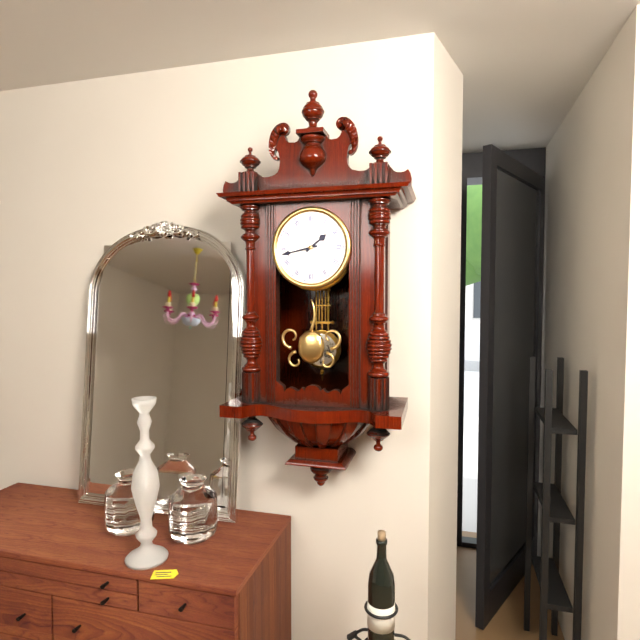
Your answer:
{"hour": 1, "minute": 43}
